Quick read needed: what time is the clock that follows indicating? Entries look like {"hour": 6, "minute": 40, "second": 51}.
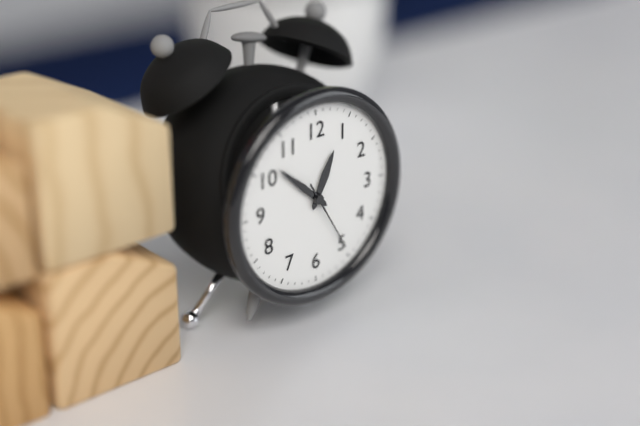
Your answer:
{"hour": 12, "minute": 52, "second": 25}
